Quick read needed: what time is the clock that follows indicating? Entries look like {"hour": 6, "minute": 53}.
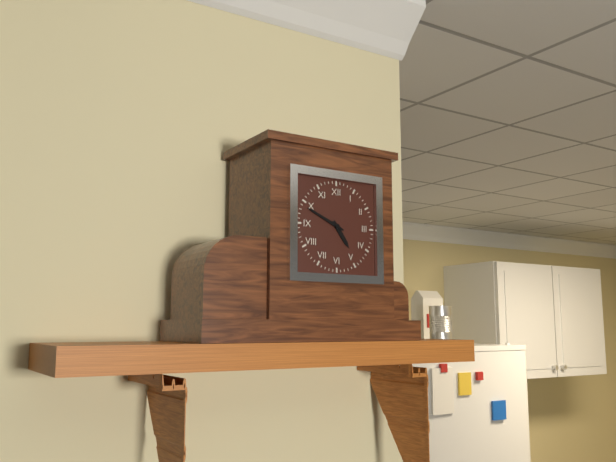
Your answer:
{"hour": 4, "minute": 49}
